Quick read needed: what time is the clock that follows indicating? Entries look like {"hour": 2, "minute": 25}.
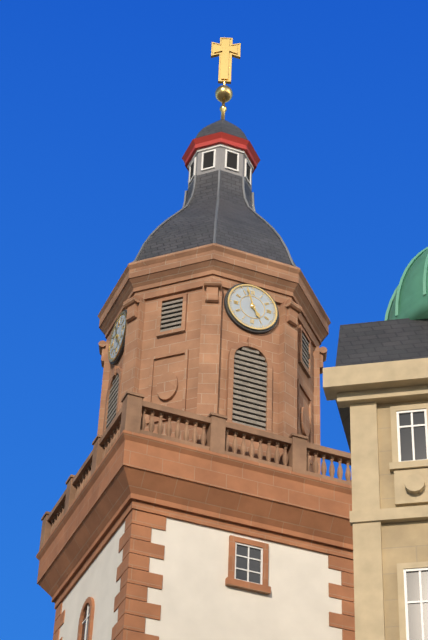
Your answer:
{"hour": 4, "minute": 57}
